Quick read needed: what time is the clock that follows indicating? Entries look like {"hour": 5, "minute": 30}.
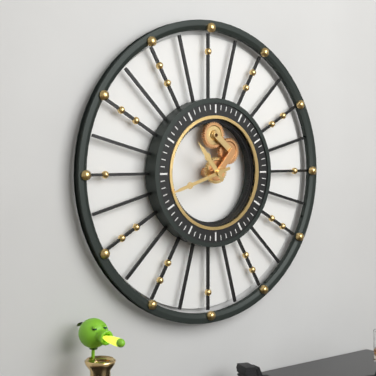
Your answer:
{"hour": 10, "minute": 42}
